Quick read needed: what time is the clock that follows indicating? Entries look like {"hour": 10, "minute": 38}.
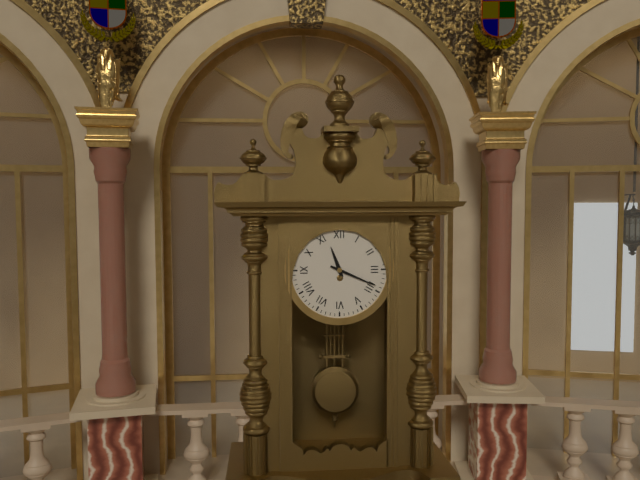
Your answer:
{"hour": 11, "minute": 19}
